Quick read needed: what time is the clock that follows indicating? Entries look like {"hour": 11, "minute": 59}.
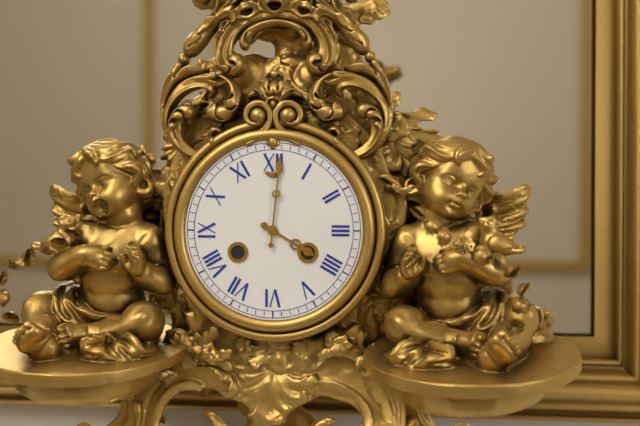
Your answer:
{"hour": 4, "minute": 1}
